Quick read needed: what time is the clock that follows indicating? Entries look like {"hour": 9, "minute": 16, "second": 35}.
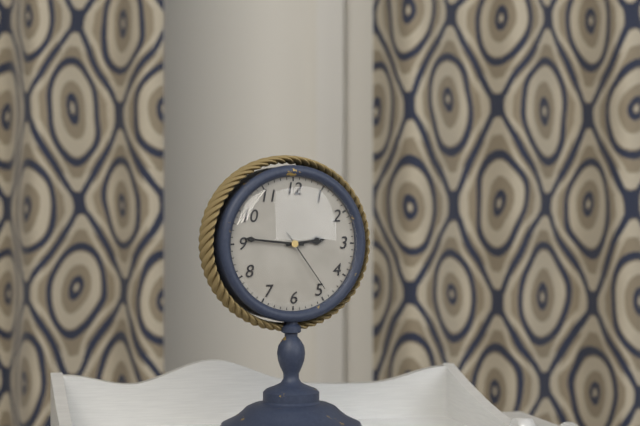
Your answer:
{"hour": 2, "minute": 46, "second": 24}
